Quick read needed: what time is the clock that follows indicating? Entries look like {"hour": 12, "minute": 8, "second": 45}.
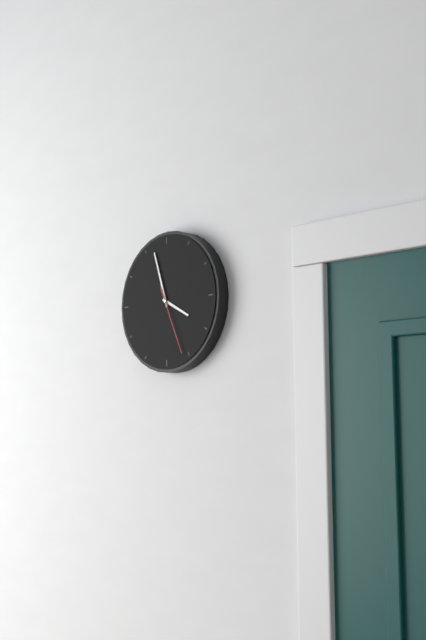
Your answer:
{"hour": 3, "minute": 57, "second": 26}
